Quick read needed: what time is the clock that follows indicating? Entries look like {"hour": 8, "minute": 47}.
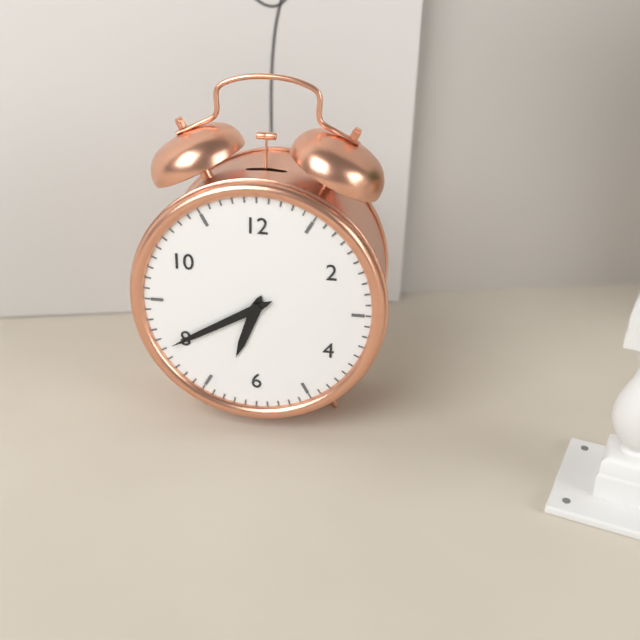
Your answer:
{"hour": 6, "minute": 40}
